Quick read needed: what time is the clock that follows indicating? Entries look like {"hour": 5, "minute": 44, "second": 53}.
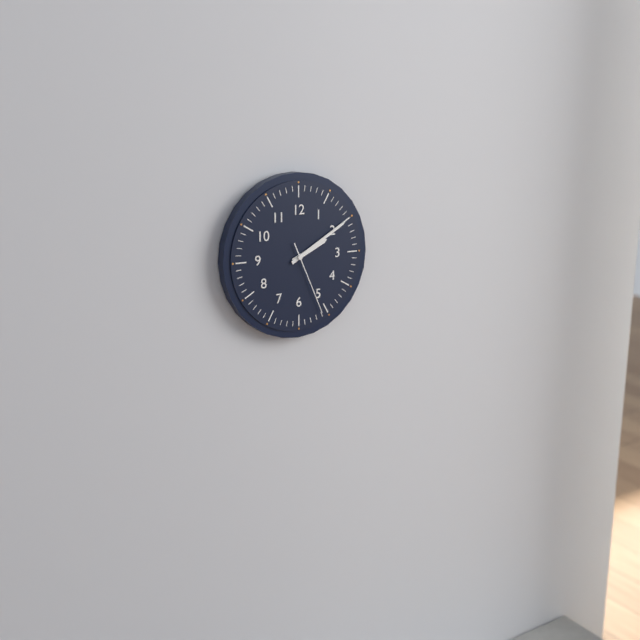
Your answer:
{"hour": 2, "minute": 10, "second": 26}
